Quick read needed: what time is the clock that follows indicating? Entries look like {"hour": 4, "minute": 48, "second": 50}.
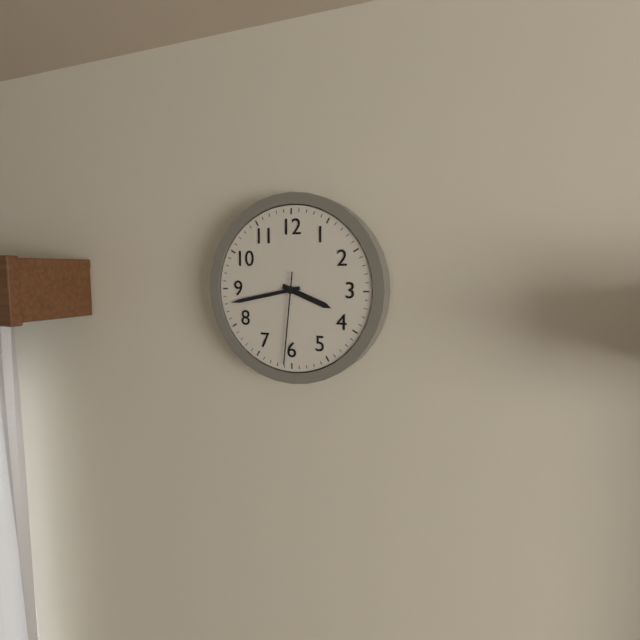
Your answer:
{"hour": 3, "minute": 43, "second": 31}
